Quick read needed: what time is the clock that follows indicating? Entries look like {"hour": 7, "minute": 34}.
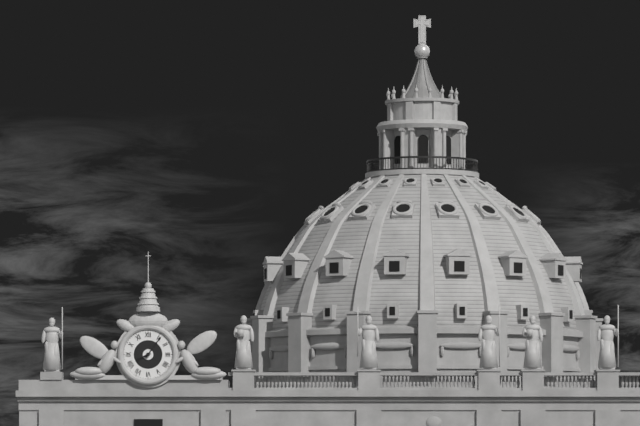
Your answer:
{"hour": 8, "minute": 6}
